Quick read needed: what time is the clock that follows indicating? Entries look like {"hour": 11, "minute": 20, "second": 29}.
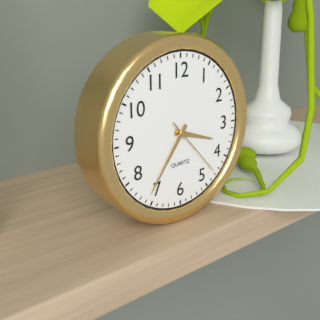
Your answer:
{"hour": 3, "minute": 36, "second": 23}
